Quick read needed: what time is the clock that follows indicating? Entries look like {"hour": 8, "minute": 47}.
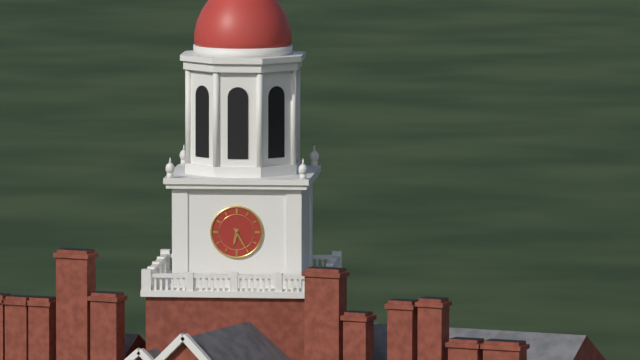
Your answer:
{"hour": 6, "minute": 25}
